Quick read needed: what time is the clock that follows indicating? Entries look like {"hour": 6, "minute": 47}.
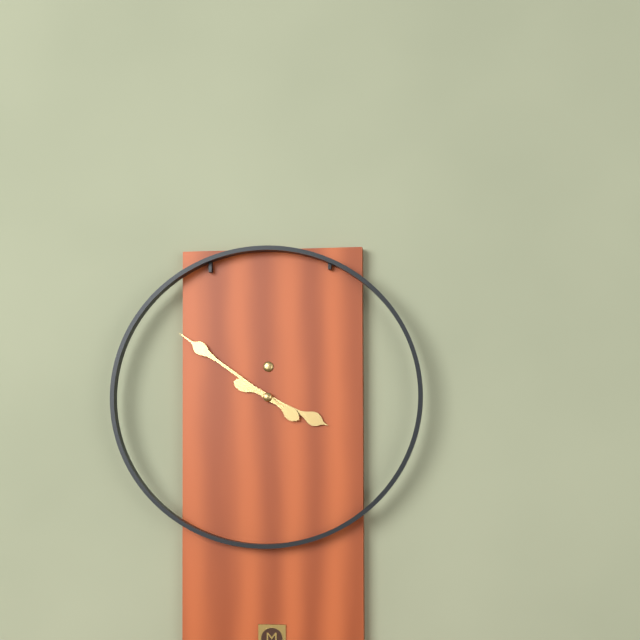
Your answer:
{"hour": 3, "minute": 51}
